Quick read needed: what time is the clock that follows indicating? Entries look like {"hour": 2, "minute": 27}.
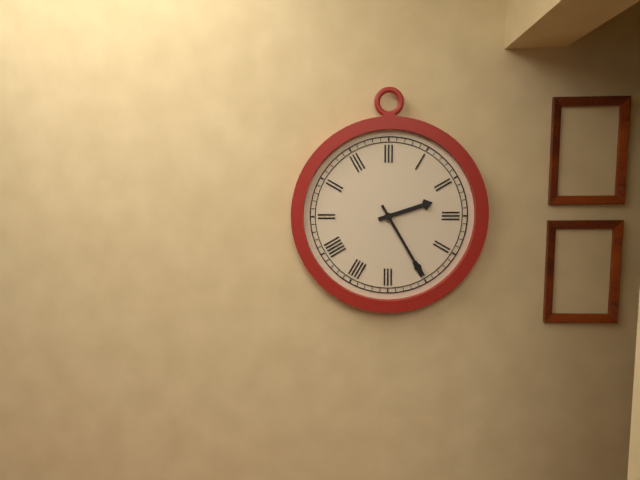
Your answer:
{"hour": 2, "minute": 25}
